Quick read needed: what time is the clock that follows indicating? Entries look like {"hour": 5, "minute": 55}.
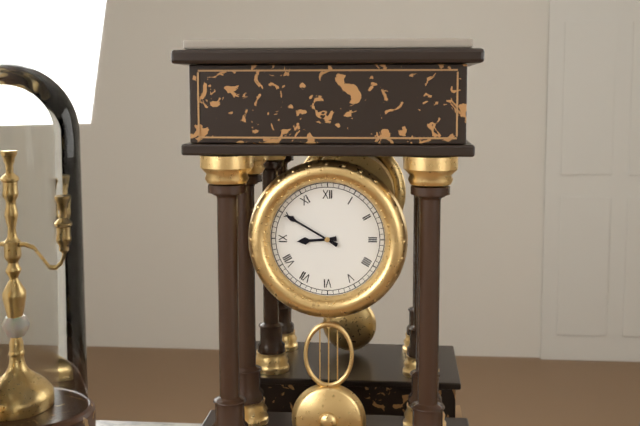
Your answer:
{"hour": 8, "minute": 50}
